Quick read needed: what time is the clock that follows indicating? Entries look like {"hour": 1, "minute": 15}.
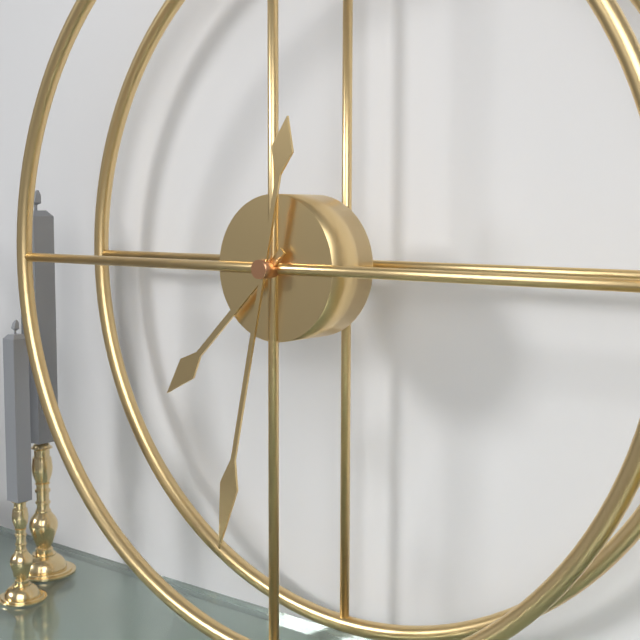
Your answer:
{"hour": 7, "minute": 32}
